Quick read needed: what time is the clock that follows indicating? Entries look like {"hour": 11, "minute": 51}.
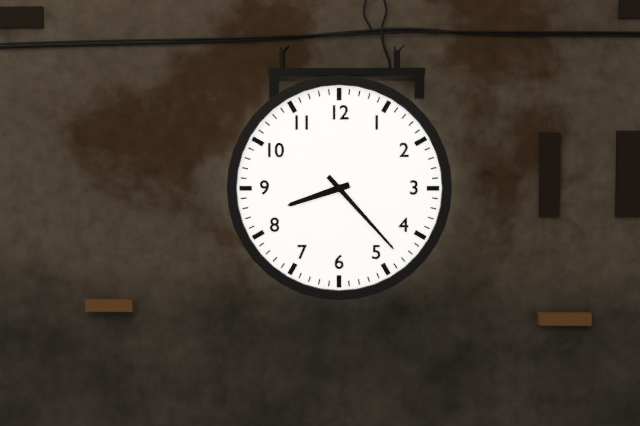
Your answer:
{"hour": 8, "minute": 23}
